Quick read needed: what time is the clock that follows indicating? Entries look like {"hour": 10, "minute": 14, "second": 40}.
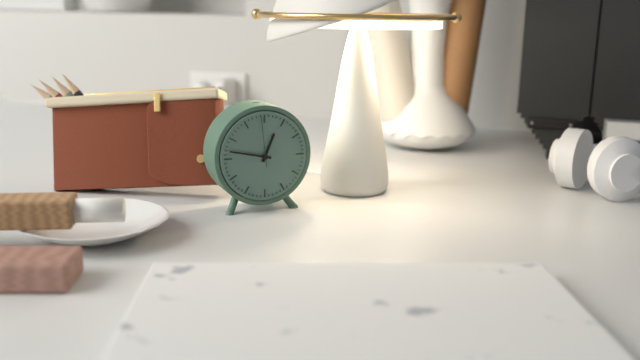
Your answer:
{"hour": 12, "minute": 47, "second": 59}
